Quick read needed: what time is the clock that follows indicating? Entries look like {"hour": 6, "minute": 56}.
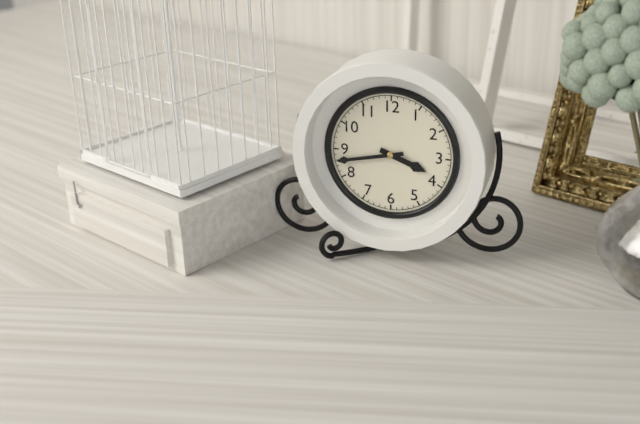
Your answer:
{"hour": 3, "minute": 43}
